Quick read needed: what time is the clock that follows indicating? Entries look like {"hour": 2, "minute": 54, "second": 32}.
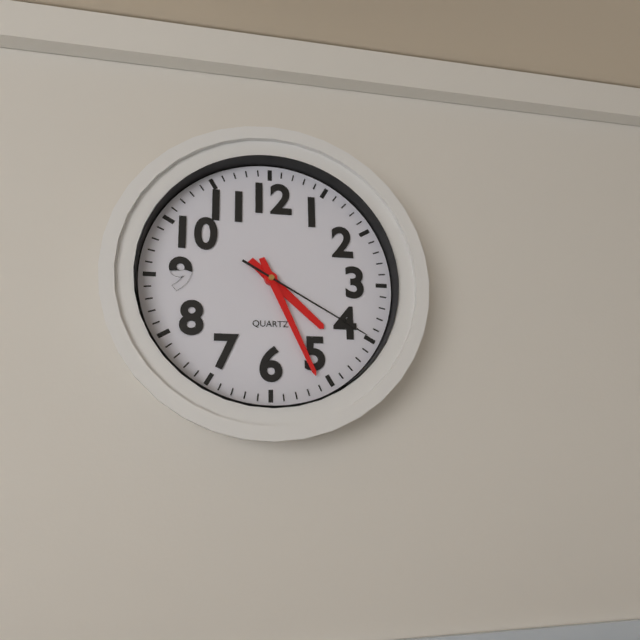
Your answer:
{"hour": 4, "minute": 26, "second": 20}
